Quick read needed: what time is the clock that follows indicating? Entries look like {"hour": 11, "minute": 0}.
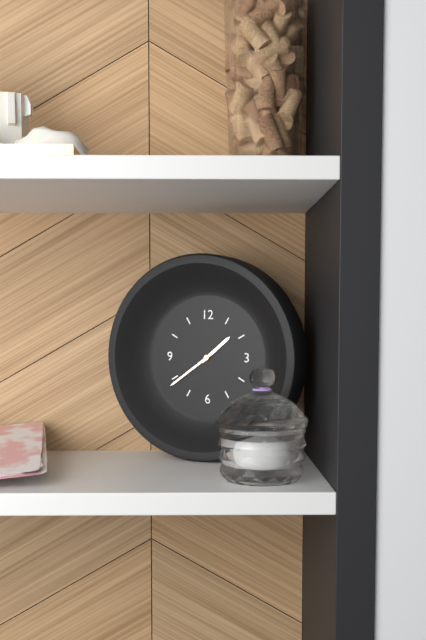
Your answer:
{"hour": 1, "minute": 39}
